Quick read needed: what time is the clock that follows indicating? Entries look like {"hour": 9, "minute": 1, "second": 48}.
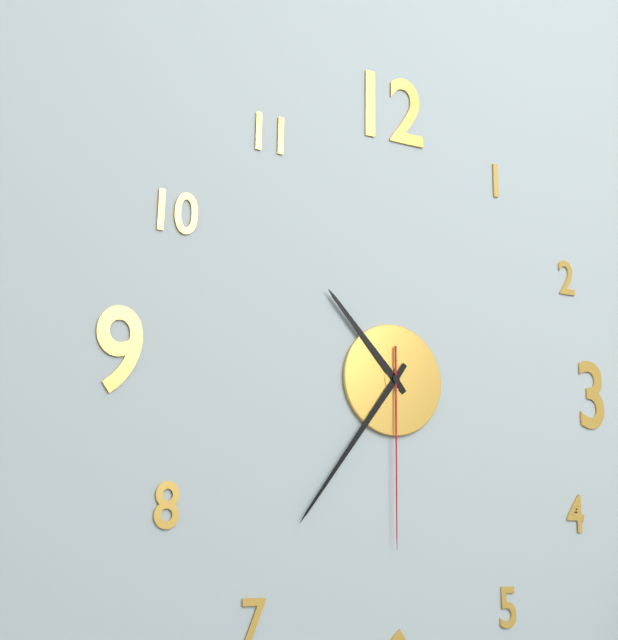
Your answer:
{"hour": 10, "minute": 36, "second": 30}
